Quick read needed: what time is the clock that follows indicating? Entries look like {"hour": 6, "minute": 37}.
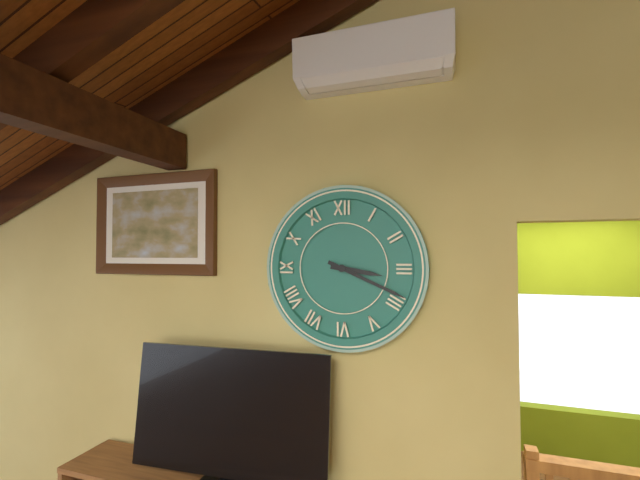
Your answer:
{"hour": 3, "minute": 19}
